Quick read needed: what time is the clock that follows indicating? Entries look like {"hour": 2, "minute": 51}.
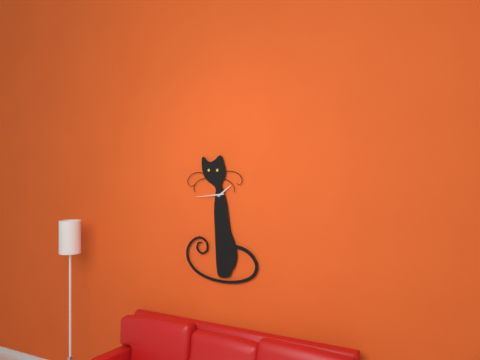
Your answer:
{"hour": 1, "minute": 44}
